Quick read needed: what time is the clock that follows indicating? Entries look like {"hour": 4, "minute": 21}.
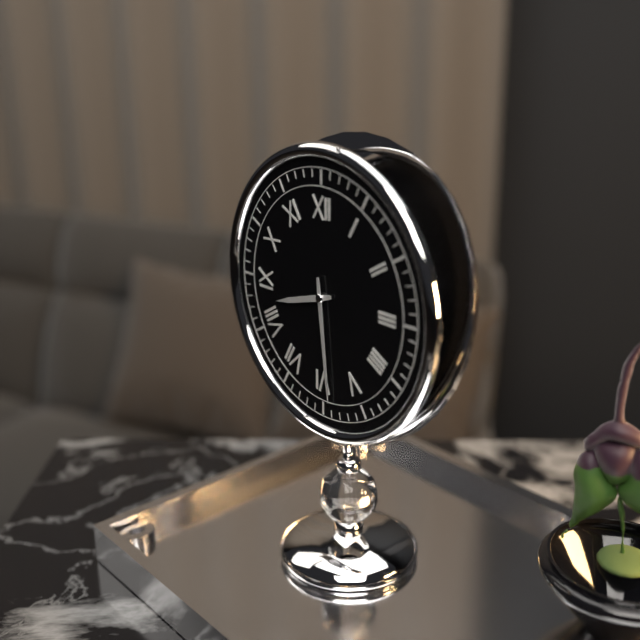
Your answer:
{"hour": 8, "minute": 29}
